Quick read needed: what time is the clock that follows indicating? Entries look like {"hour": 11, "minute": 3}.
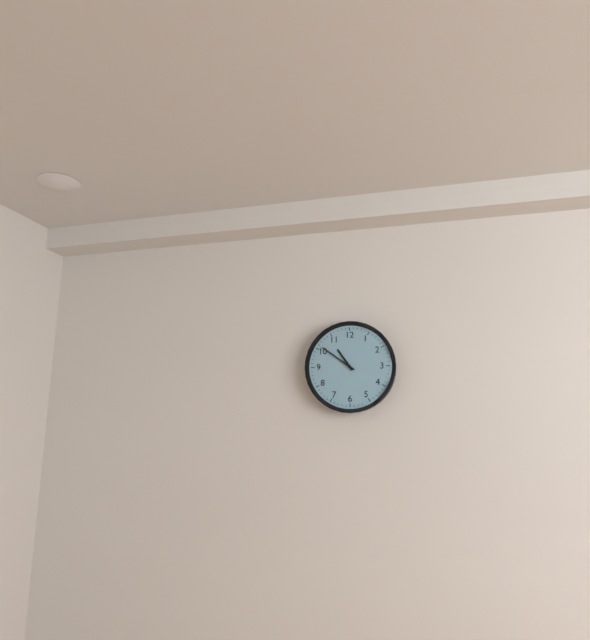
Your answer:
{"hour": 10, "minute": 51}
